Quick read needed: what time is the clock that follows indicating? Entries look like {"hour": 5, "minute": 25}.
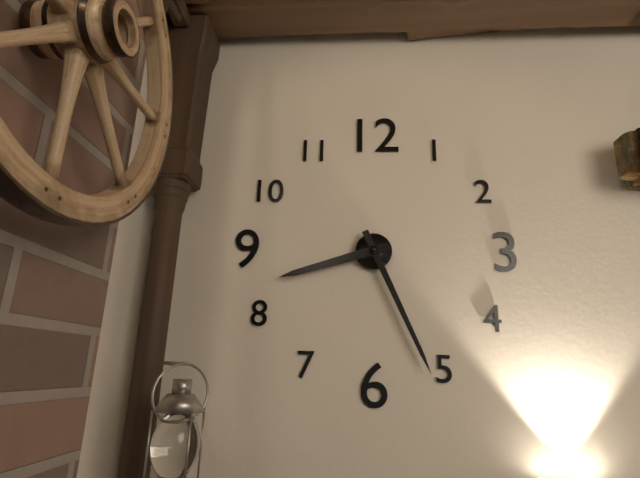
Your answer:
{"hour": 8, "minute": 26}
